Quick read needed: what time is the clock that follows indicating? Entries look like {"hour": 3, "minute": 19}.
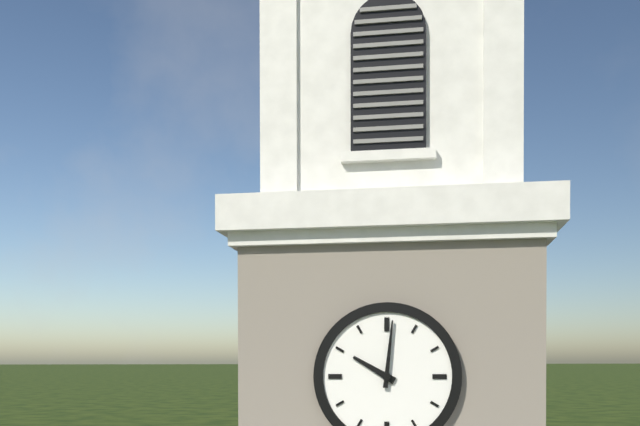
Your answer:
{"hour": 10, "minute": 1}
